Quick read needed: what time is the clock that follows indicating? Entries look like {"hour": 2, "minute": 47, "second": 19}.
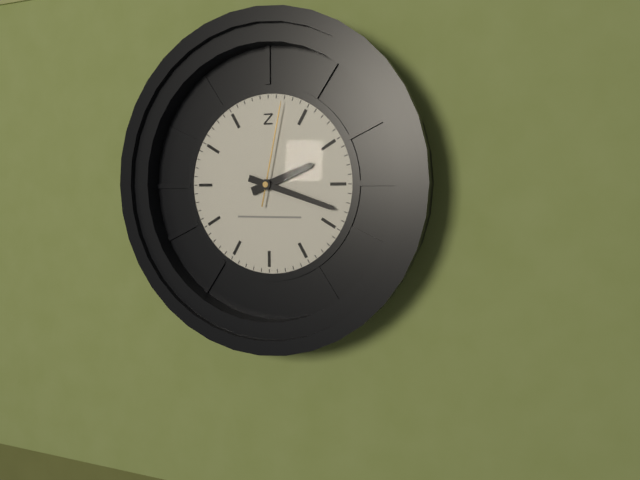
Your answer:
{"hour": 2, "minute": 18, "second": 2}
